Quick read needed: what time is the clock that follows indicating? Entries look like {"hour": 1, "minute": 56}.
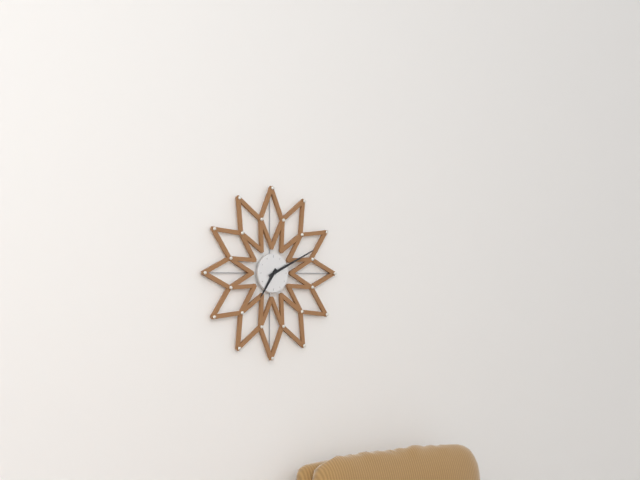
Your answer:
{"hour": 7, "minute": 11}
